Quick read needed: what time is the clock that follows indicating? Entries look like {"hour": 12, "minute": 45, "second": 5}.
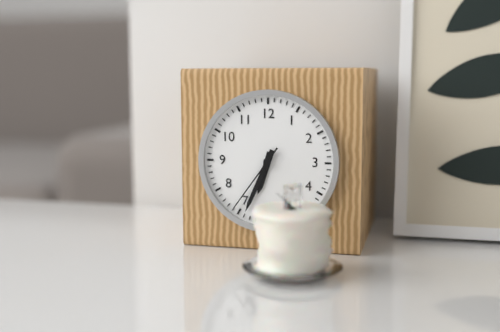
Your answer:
{"hour": 6, "minute": 34, "second": 36}
